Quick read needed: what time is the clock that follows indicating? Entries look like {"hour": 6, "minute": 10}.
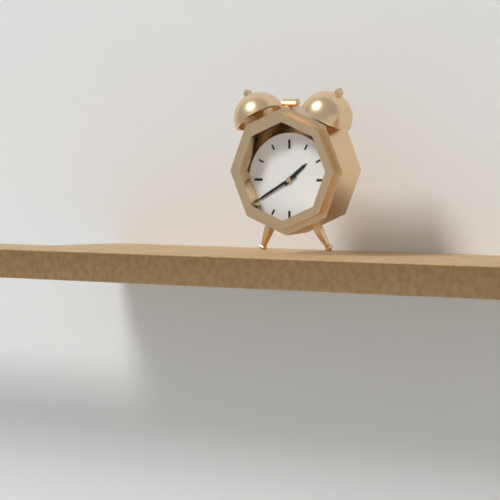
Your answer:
{"hour": 1, "minute": 40}
